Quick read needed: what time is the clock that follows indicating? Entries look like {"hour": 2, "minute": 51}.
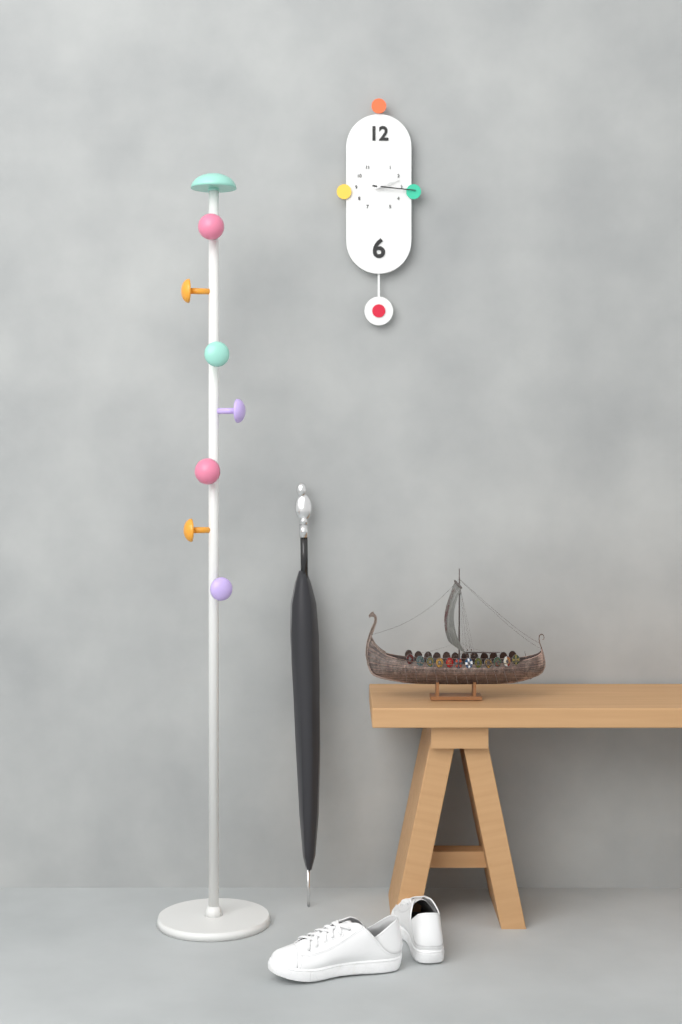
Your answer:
{"hour": 2, "minute": 16}
